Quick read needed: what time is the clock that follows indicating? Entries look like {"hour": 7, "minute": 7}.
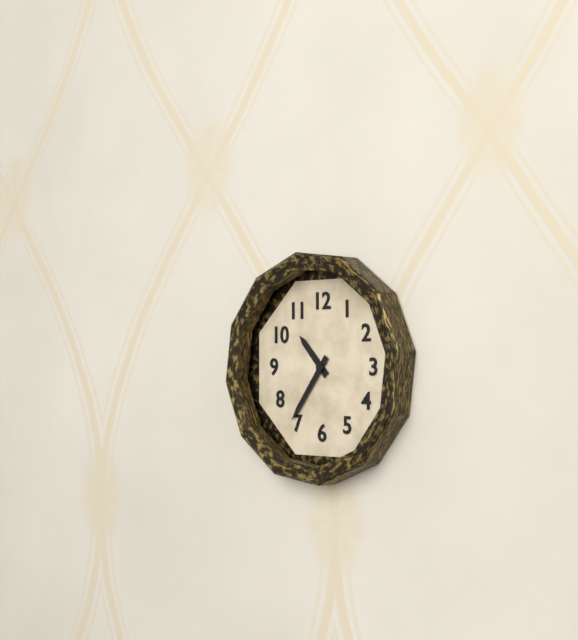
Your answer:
{"hour": 10, "minute": 36}
